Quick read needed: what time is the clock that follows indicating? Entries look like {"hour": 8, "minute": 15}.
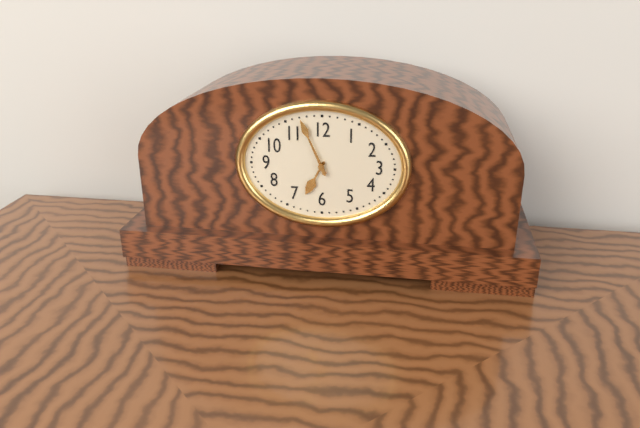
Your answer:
{"hour": 6, "minute": 56}
